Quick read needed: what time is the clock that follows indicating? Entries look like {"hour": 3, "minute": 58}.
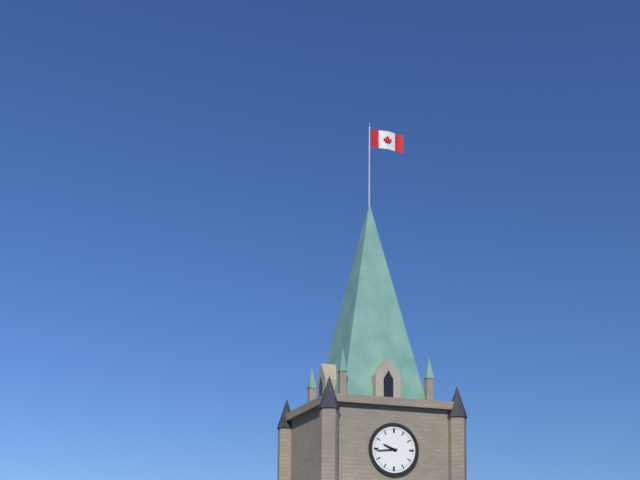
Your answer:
{"hour": 9, "minute": 44}
